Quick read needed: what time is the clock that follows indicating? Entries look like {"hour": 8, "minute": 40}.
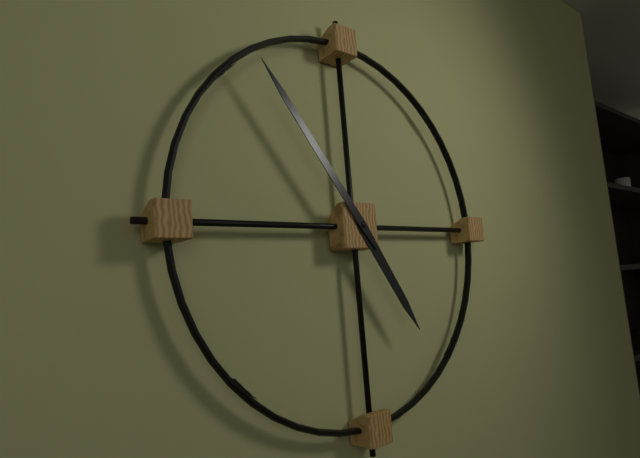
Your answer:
{"hour": 4, "minute": 54}
